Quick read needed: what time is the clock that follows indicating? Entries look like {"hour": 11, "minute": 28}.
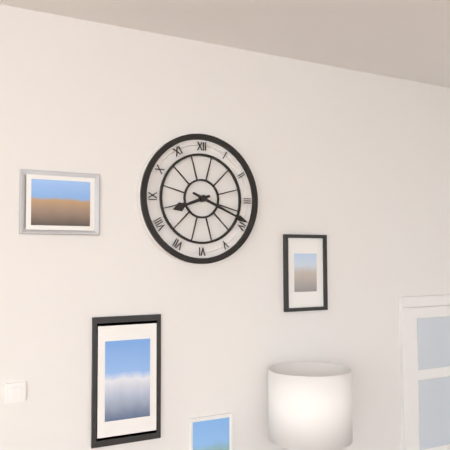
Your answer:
{"hour": 8, "minute": 19}
